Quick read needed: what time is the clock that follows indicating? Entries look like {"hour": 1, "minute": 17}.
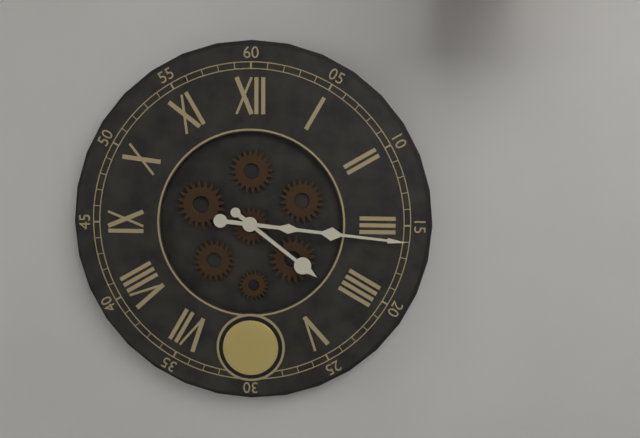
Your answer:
{"hour": 4, "minute": 16}
